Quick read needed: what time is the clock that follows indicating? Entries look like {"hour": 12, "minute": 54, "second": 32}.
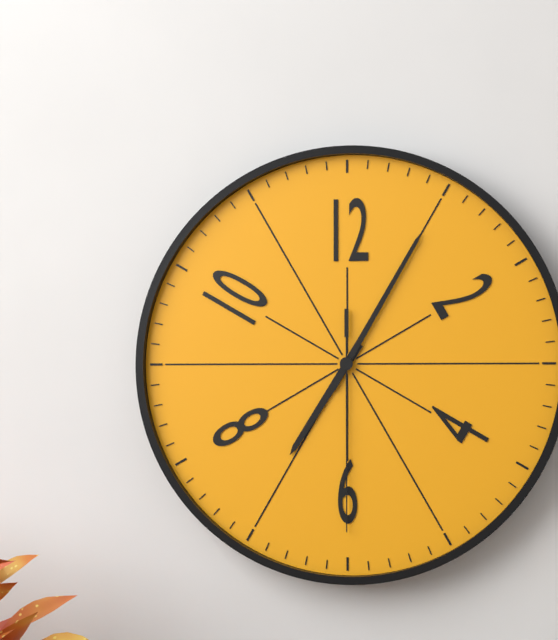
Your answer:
{"hour": 7, "minute": 5, "second": 30}
